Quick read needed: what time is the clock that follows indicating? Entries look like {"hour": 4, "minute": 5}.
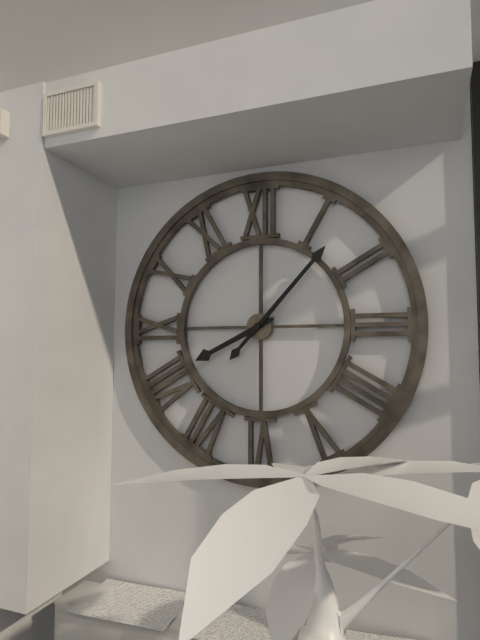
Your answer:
{"hour": 8, "minute": 7}
